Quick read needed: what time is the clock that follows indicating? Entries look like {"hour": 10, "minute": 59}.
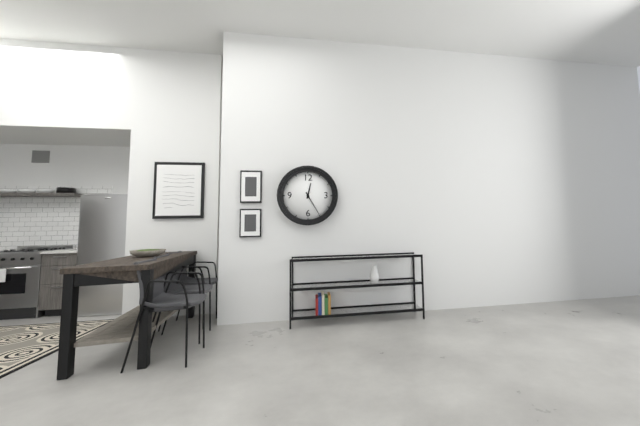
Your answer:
{"hour": 12, "minute": 25}
